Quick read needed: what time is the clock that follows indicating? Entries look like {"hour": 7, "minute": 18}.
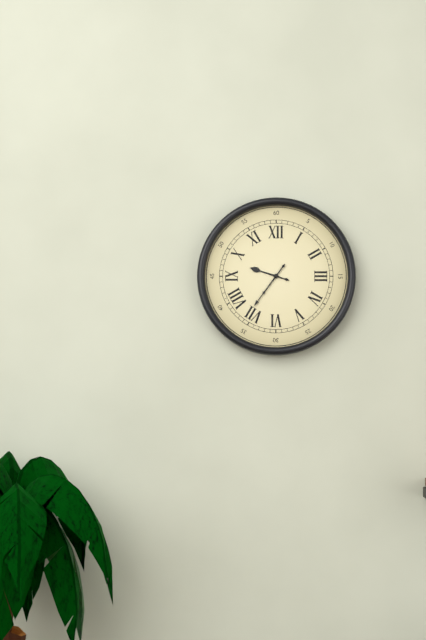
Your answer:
{"hour": 9, "minute": 36}
